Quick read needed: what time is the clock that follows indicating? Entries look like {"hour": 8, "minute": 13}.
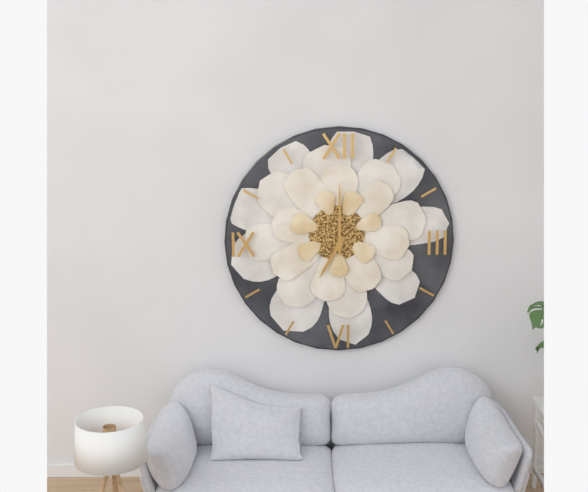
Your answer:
{"hour": 7, "minute": 0}
